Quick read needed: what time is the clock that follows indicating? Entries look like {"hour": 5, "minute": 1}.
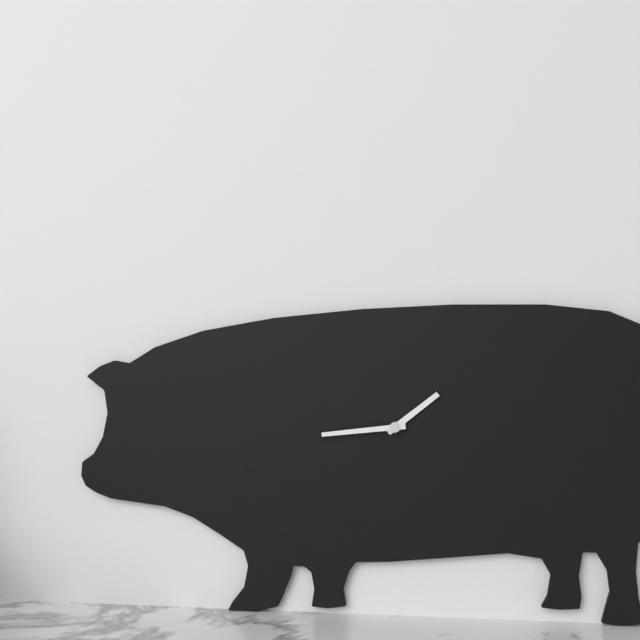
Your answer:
{"hour": 1, "minute": 44}
